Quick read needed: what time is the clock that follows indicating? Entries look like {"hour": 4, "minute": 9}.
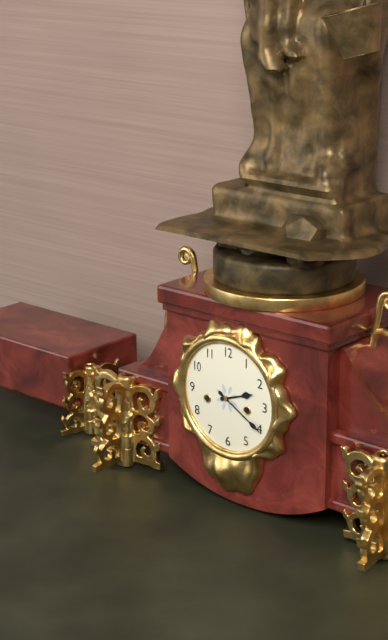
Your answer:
{"hour": 2, "minute": 20}
